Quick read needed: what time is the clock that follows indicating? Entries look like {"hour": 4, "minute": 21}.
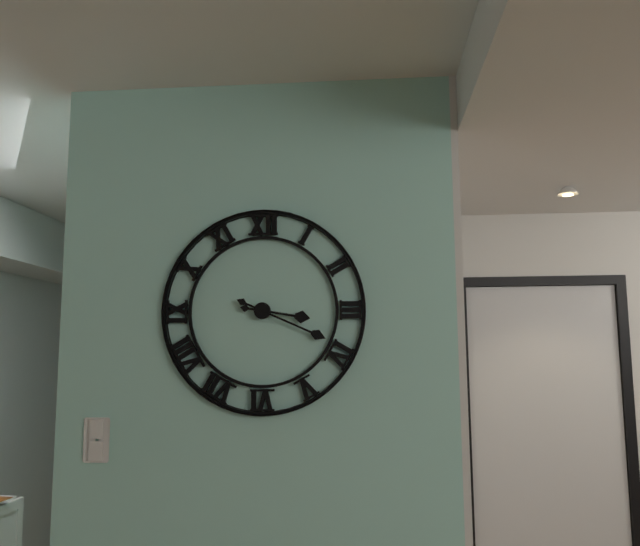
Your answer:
{"hour": 3, "minute": 19}
